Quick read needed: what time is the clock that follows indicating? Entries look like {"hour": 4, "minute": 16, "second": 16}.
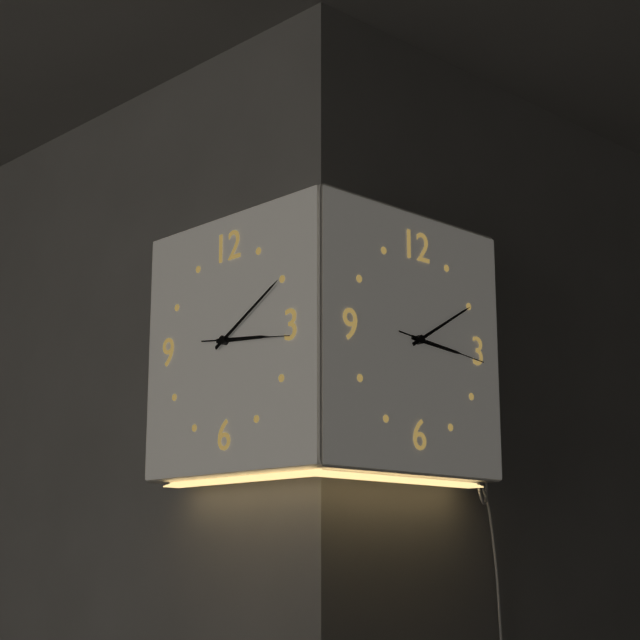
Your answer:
{"hour": 3, "minute": 10, "second": 16}
